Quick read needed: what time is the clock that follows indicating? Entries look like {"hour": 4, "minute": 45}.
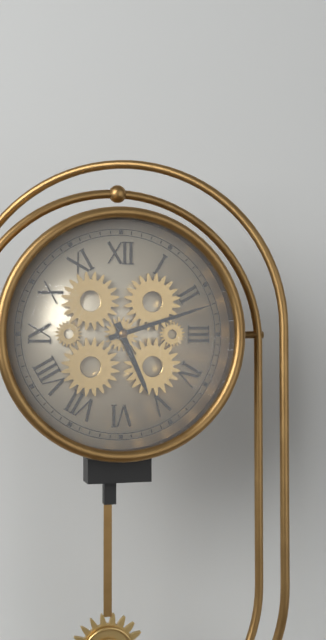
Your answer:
{"hour": 5, "minute": 12}
